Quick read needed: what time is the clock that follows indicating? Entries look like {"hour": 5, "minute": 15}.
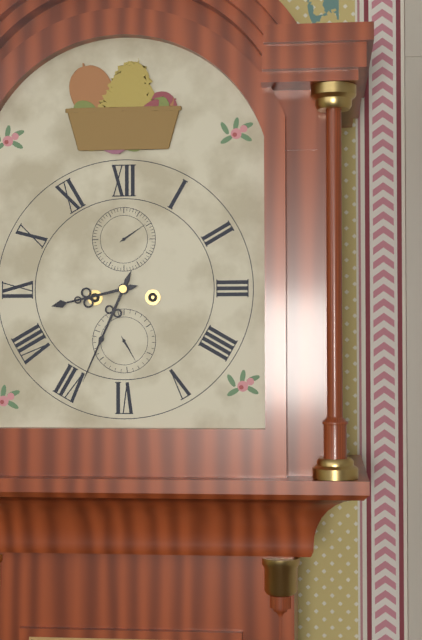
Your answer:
{"hour": 8, "minute": 34}
